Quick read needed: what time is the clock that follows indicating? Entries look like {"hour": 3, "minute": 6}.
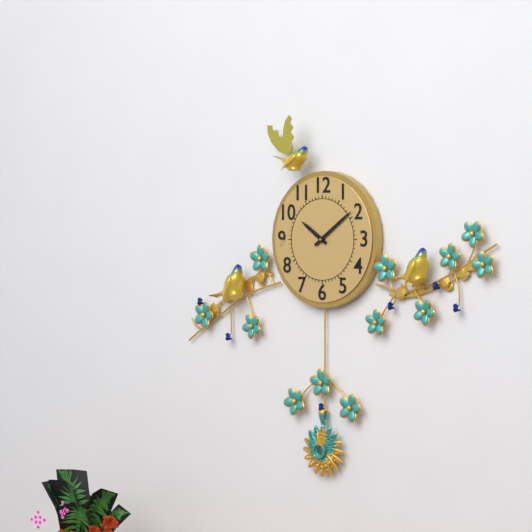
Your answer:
{"hour": 10, "minute": 9}
